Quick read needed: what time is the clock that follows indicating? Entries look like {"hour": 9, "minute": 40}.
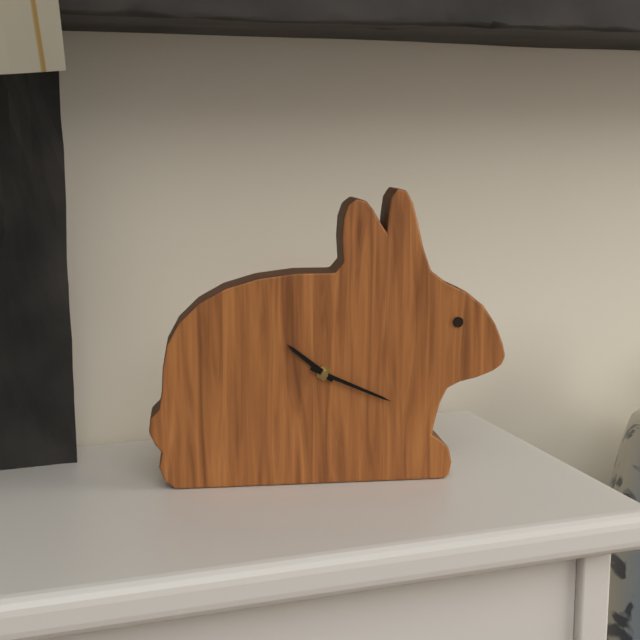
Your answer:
{"hour": 10, "minute": 19}
